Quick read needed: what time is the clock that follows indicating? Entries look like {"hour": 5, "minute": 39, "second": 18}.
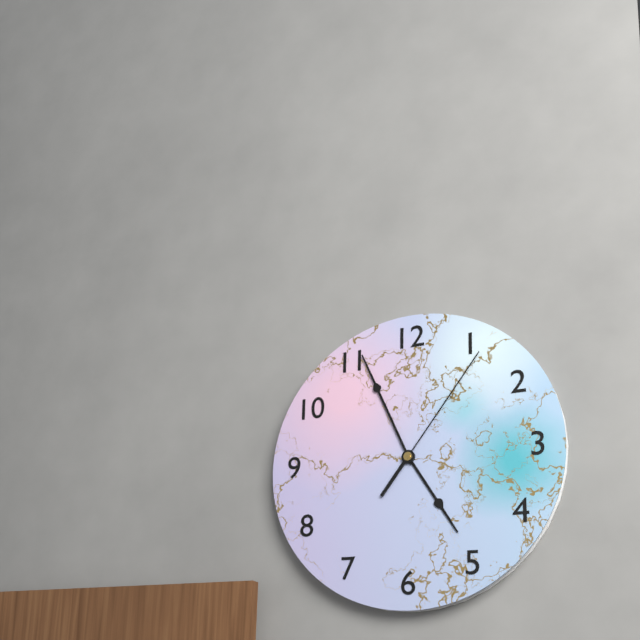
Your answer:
{"hour": 4, "minute": 56, "second": 6}
